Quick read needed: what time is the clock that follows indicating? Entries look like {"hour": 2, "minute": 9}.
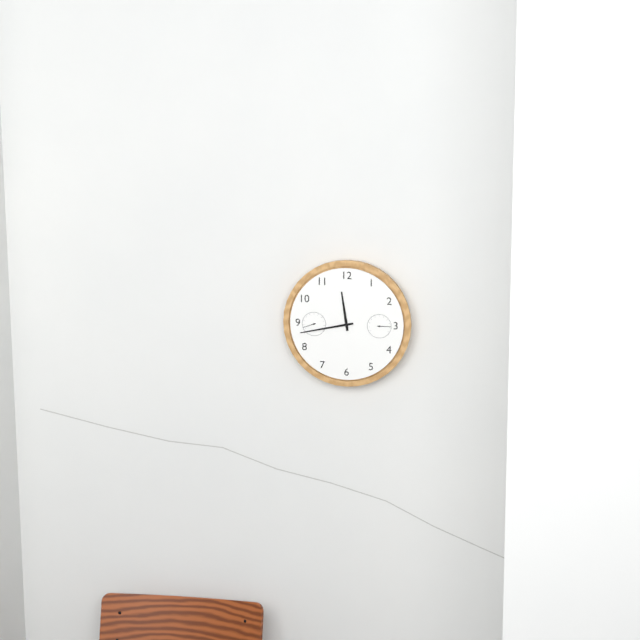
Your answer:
{"hour": 11, "minute": 43}
